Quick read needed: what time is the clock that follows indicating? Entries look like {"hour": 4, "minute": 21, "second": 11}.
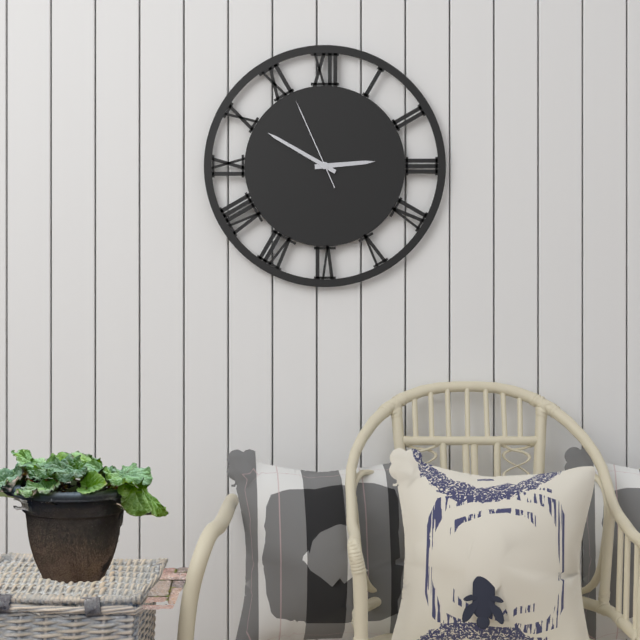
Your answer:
{"hour": 2, "minute": 50, "second": 56}
